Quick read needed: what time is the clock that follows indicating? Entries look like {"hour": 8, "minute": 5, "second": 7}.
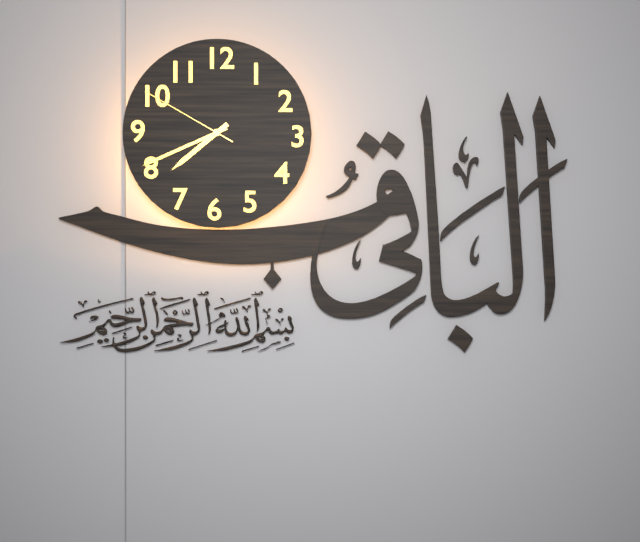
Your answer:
{"hour": 7, "minute": 41, "second": 50}
